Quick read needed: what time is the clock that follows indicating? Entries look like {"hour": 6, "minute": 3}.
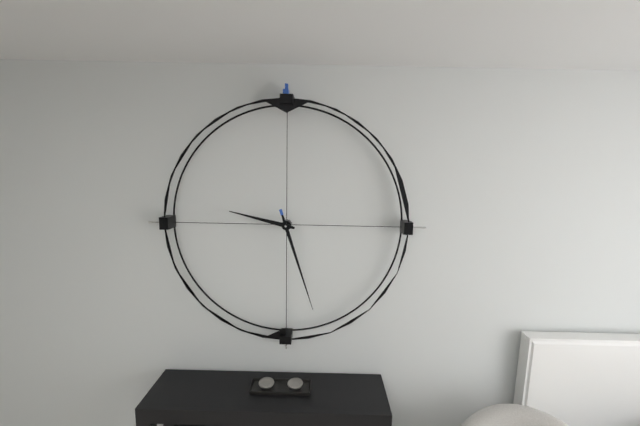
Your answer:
{"hour": 9, "minute": 27}
